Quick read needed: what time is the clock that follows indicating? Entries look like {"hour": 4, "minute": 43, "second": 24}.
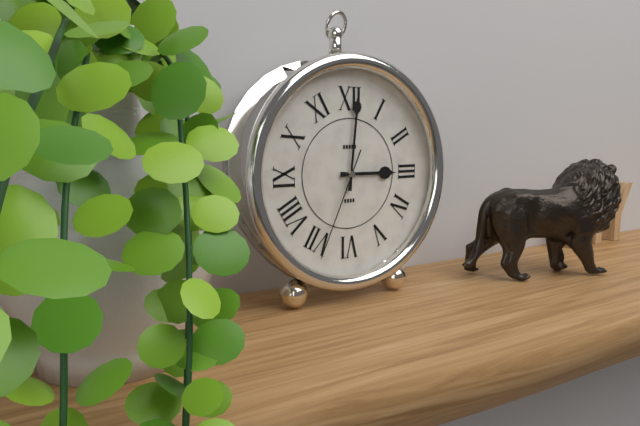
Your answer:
{"hour": 3, "minute": 1, "second": 34}
